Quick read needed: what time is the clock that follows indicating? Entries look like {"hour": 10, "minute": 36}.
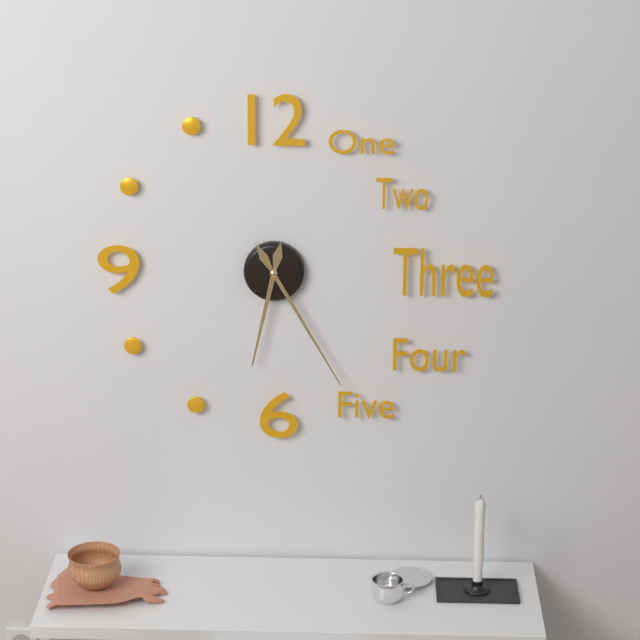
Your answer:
{"hour": 6, "minute": 25}
